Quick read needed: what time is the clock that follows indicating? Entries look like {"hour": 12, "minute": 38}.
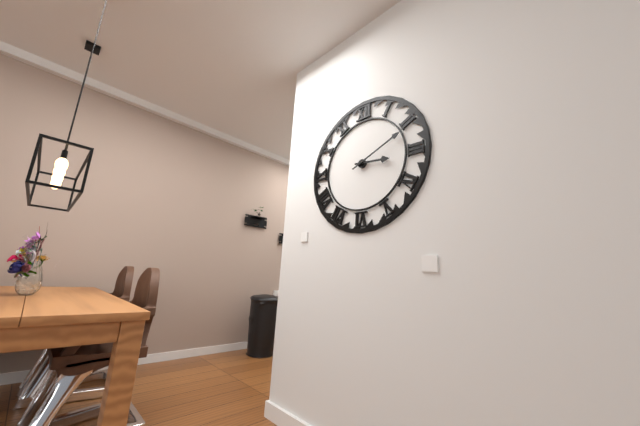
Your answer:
{"hour": 3, "minute": 11}
